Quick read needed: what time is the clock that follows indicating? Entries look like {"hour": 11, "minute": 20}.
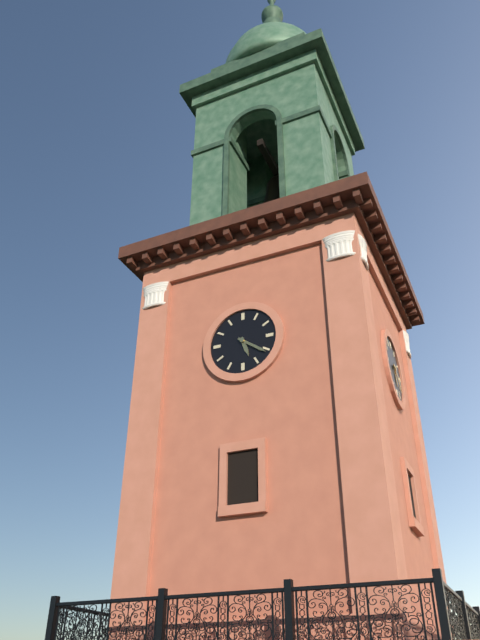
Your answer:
{"hour": 5, "minute": 21}
